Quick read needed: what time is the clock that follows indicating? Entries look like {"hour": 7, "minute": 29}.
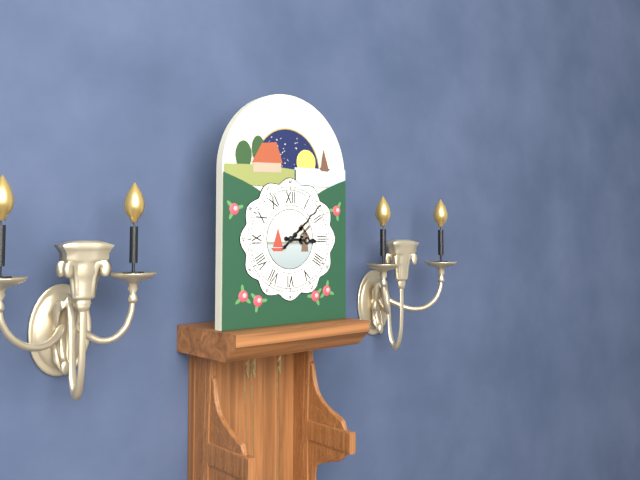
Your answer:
{"hour": 3, "minute": 8}
